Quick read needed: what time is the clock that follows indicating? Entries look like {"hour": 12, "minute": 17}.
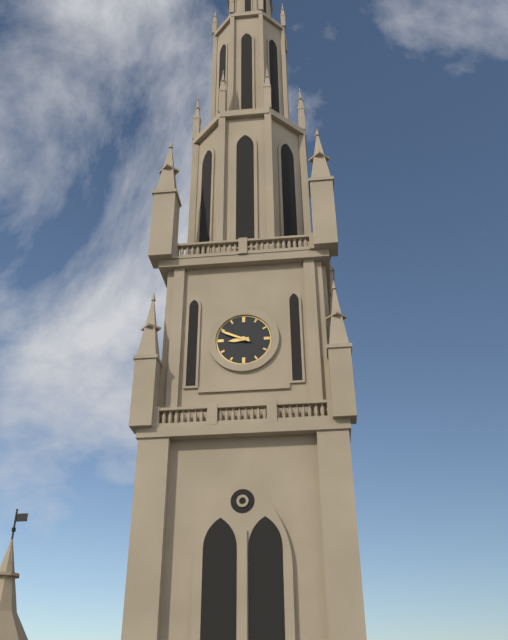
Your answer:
{"hour": 8, "minute": 49}
